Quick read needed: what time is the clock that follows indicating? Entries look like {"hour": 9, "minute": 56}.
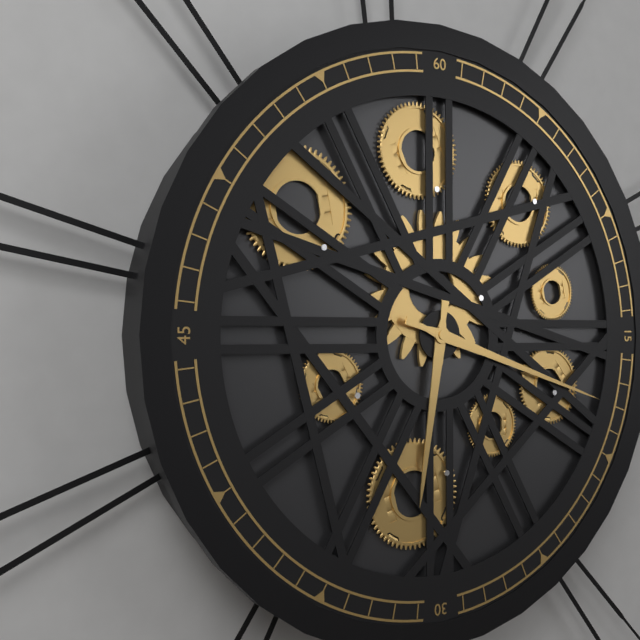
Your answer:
{"hour": 6, "minute": 18}
